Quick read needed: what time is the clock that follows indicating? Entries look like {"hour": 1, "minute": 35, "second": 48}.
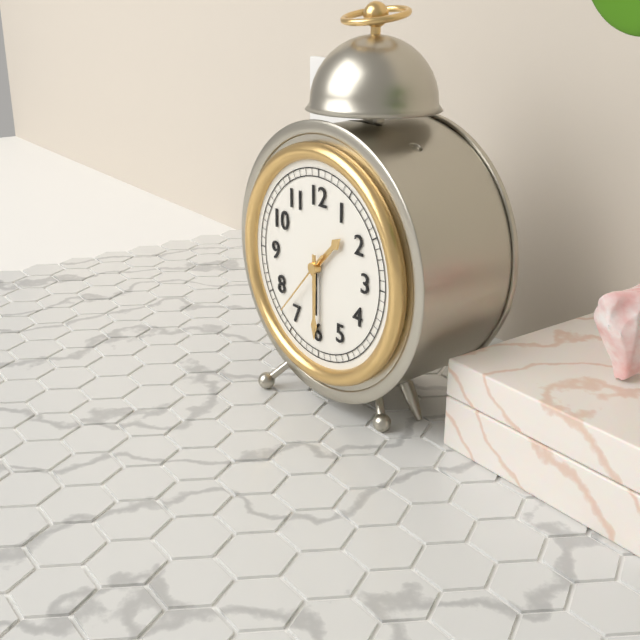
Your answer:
{"hour": 1, "minute": 30, "second": 37}
